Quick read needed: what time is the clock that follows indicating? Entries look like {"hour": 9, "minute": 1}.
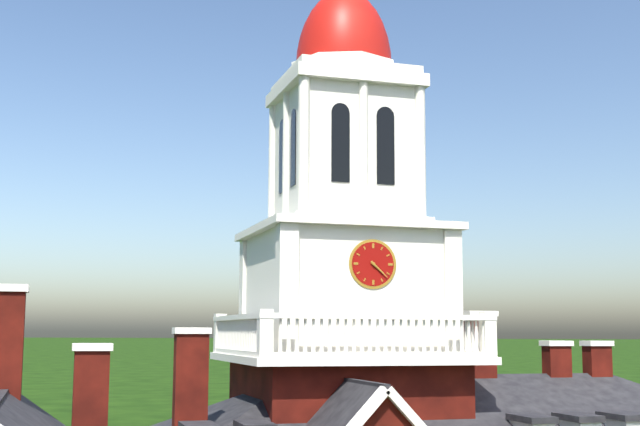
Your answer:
{"hour": 4, "minute": 22}
